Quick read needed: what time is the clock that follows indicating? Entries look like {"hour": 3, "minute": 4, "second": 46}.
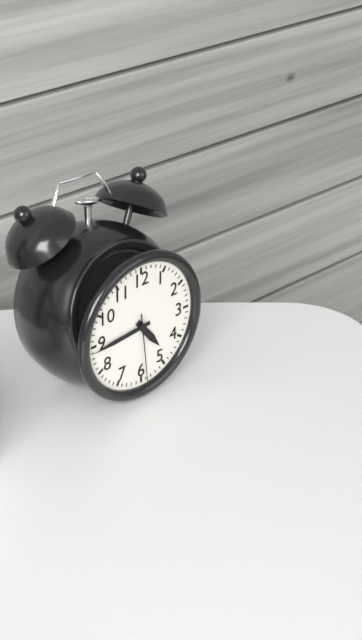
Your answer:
{"hour": 4, "minute": 44, "second": 29}
